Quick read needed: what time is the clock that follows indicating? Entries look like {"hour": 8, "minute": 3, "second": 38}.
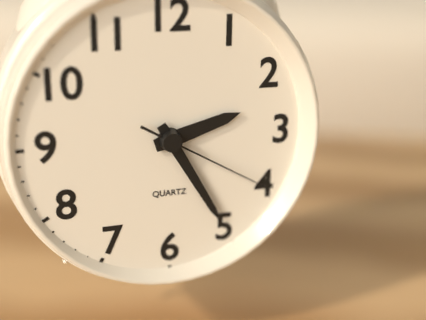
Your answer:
{"hour": 2, "minute": 25, "second": 20}
